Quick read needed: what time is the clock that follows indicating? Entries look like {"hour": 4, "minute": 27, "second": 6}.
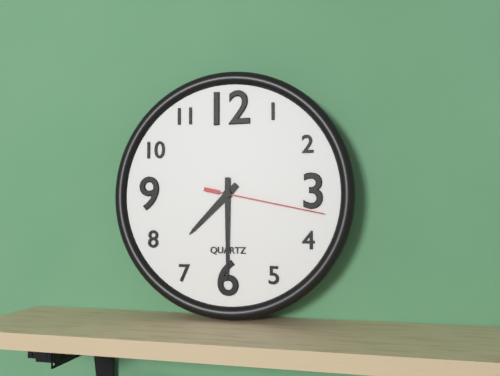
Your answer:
{"hour": 7, "minute": 30, "second": 17}
